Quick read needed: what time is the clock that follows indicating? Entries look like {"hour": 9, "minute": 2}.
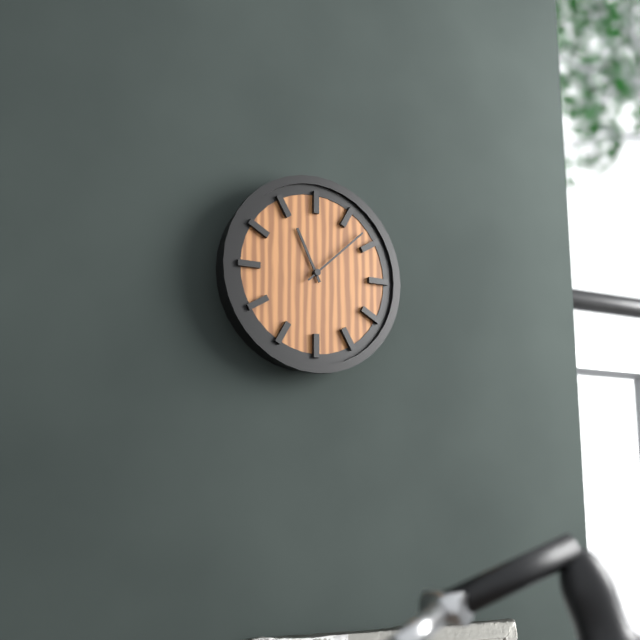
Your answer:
{"hour": 11, "minute": 8}
